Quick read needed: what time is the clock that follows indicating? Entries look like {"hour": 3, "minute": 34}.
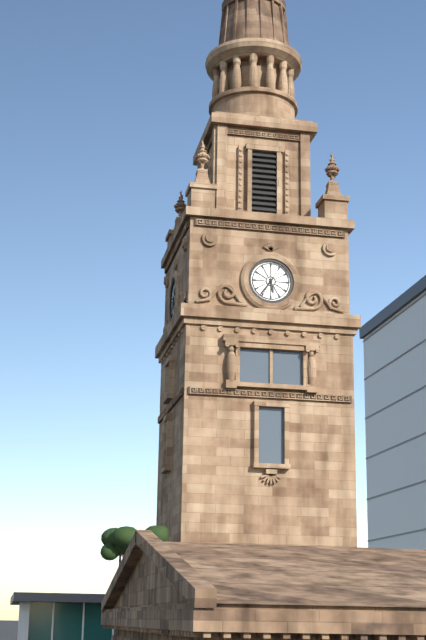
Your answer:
{"hour": 5, "minute": 36}
